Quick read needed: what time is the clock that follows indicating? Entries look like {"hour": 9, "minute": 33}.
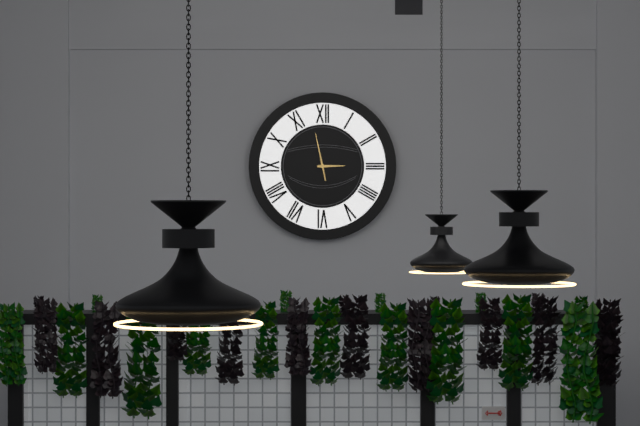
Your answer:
{"hour": 2, "minute": 58}
